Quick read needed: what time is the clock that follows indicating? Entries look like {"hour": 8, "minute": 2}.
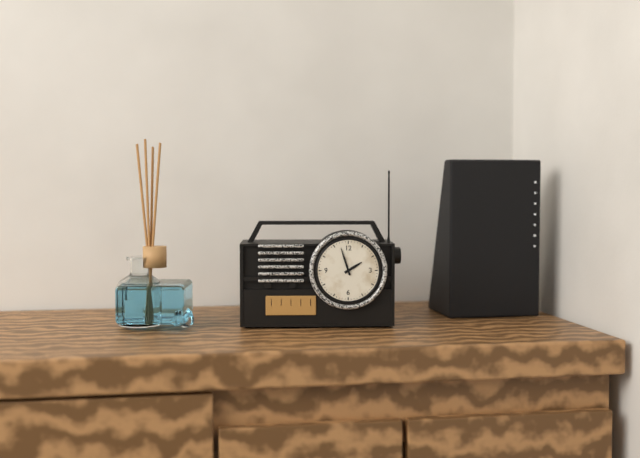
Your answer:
{"hour": 1, "minute": 57}
